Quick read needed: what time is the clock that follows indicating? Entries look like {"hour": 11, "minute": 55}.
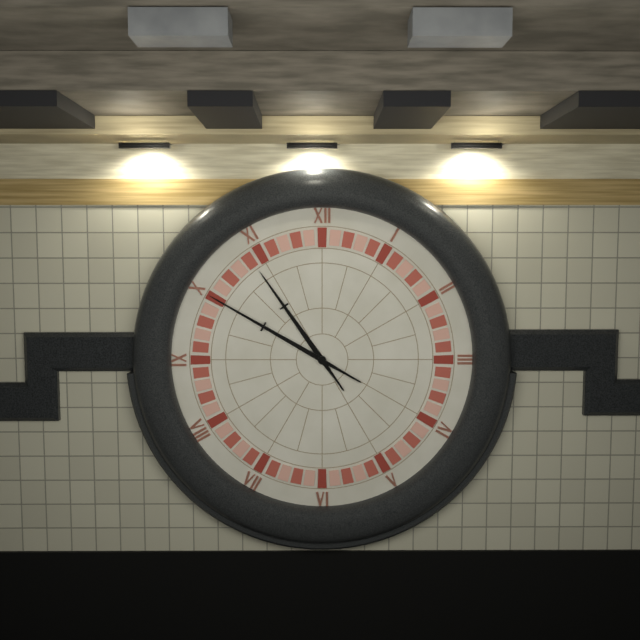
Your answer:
{"hour": 10, "minute": 50}
